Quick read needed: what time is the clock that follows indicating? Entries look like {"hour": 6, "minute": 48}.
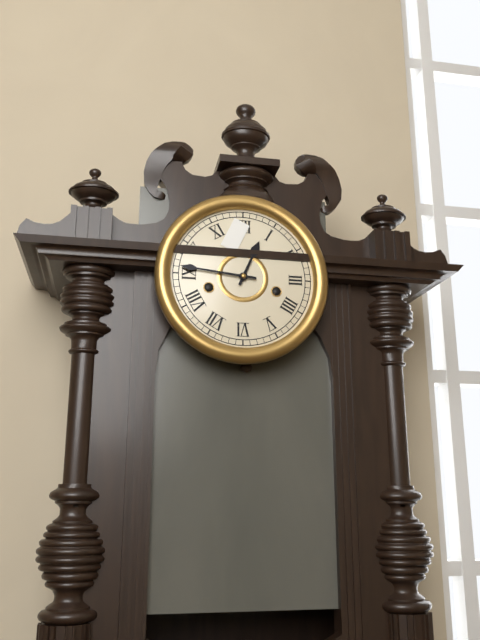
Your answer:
{"hour": 12, "minute": 46}
